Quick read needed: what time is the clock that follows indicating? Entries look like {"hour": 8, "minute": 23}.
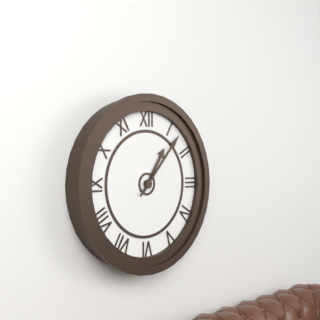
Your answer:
{"hour": 1, "minute": 7}
